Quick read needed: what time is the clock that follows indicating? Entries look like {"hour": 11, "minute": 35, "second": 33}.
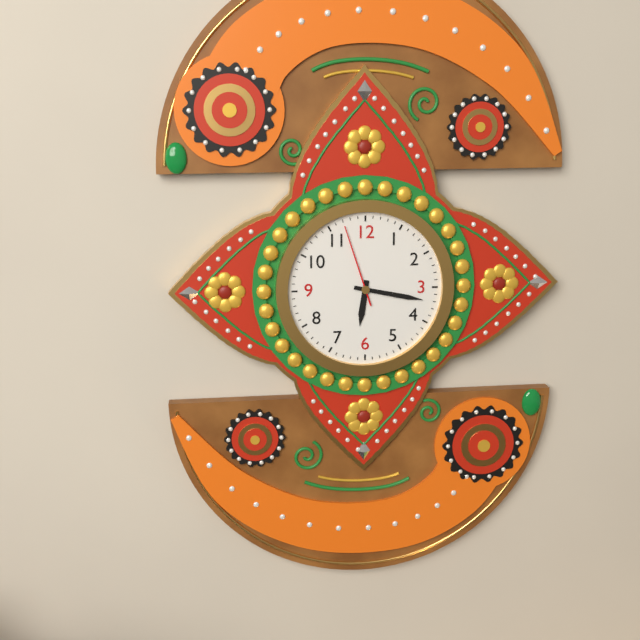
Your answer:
{"hour": 6, "minute": 17, "second": 57}
